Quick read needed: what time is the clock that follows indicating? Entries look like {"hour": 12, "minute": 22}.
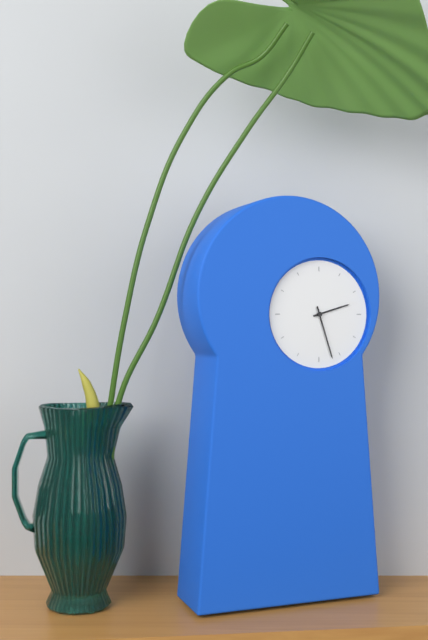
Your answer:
{"hour": 2, "minute": 27}
